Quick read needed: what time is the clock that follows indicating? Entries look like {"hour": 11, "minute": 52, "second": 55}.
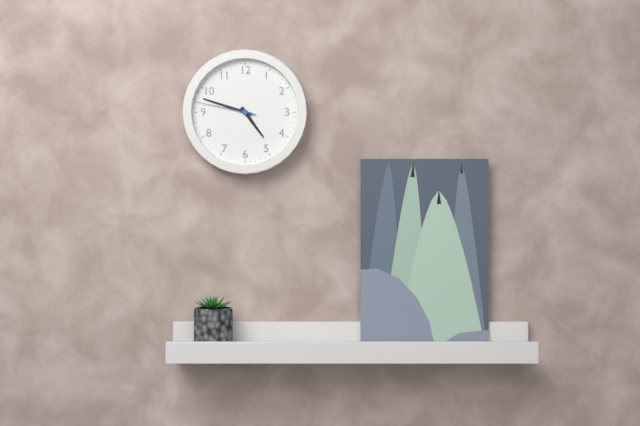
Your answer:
{"hour": 4, "minute": 48, "second": 47}
